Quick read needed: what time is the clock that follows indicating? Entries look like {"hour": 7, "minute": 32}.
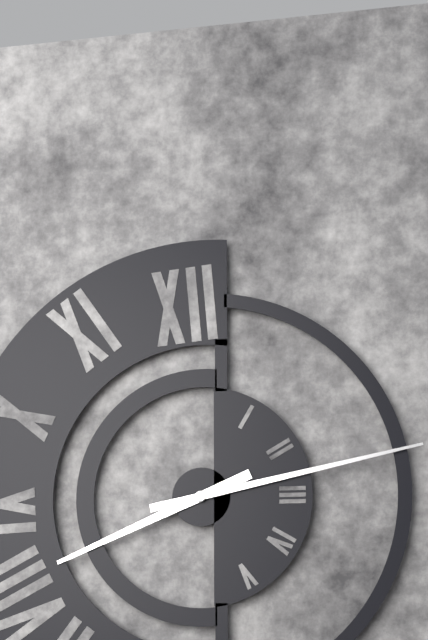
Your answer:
{"hour": 8, "minute": 13}
